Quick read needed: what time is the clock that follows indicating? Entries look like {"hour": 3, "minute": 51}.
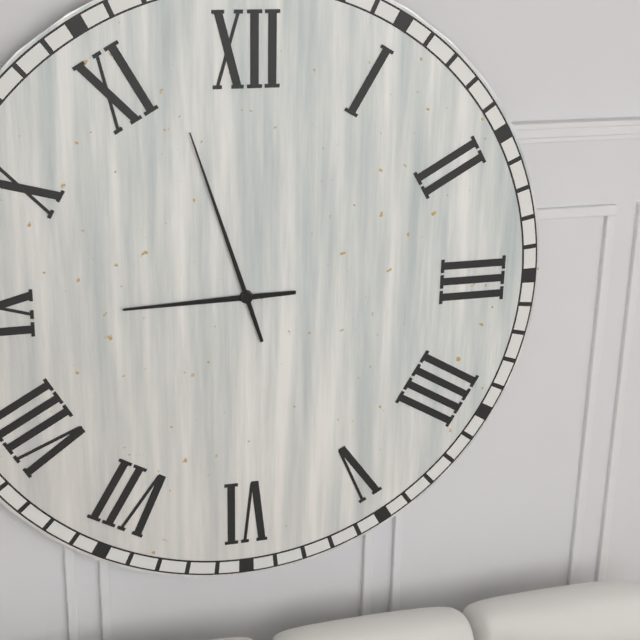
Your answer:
{"hour": 8, "minute": 57}
